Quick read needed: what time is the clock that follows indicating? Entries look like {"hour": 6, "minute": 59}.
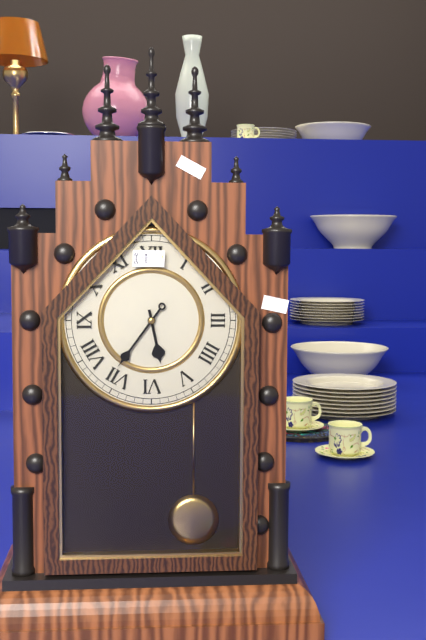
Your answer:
{"hour": 5, "minute": 36}
